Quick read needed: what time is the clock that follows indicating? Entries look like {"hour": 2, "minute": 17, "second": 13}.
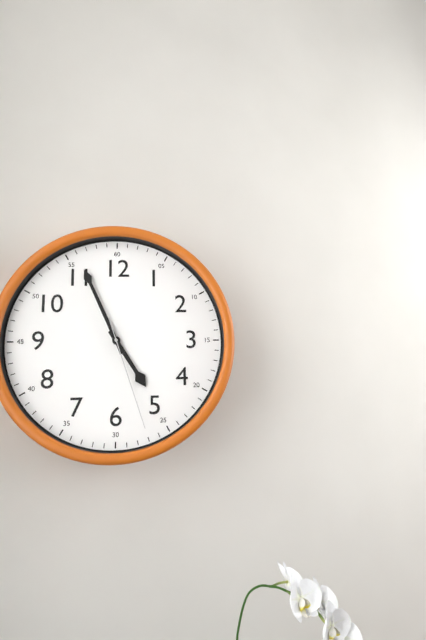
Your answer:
{"hour": 4, "minute": 56, "second": 27}
